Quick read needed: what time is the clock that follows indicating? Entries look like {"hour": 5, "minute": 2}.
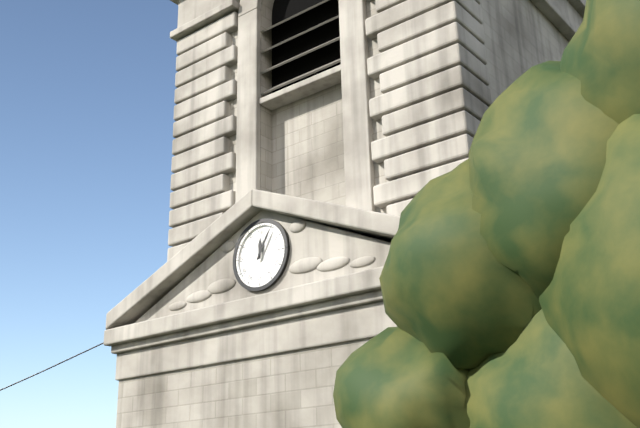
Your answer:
{"hour": 12, "minute": 5}
